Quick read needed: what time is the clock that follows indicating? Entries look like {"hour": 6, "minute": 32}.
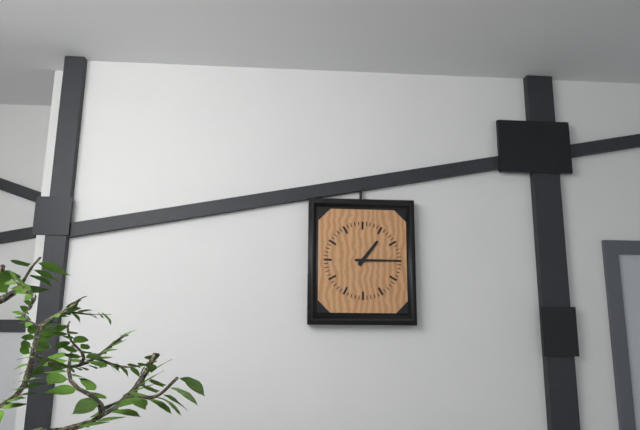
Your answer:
{"hour": 1, "minute": 15}
